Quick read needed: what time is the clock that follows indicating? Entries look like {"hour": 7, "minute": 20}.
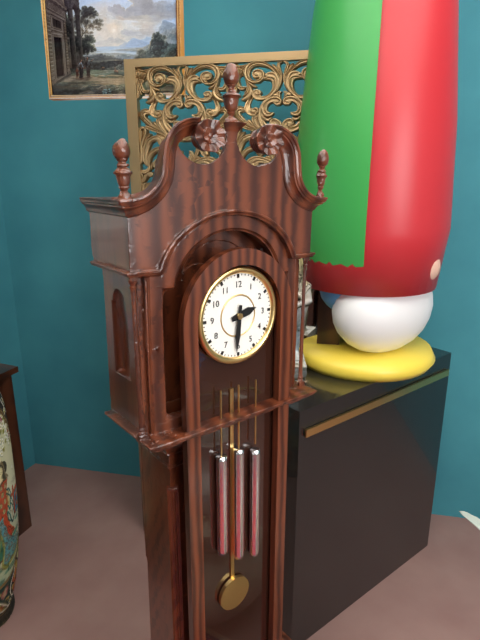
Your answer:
{"hour": 2, "minute": 31}
